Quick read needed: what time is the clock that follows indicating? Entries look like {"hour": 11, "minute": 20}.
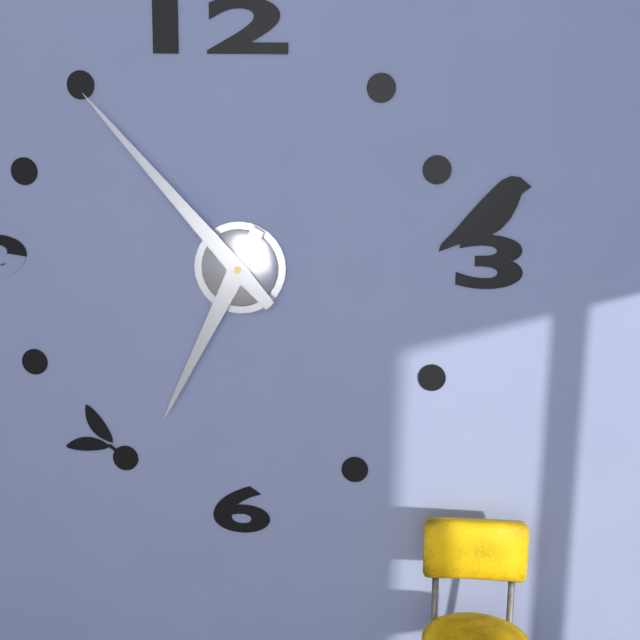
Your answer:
{"hour": 6, "minute": 53}
